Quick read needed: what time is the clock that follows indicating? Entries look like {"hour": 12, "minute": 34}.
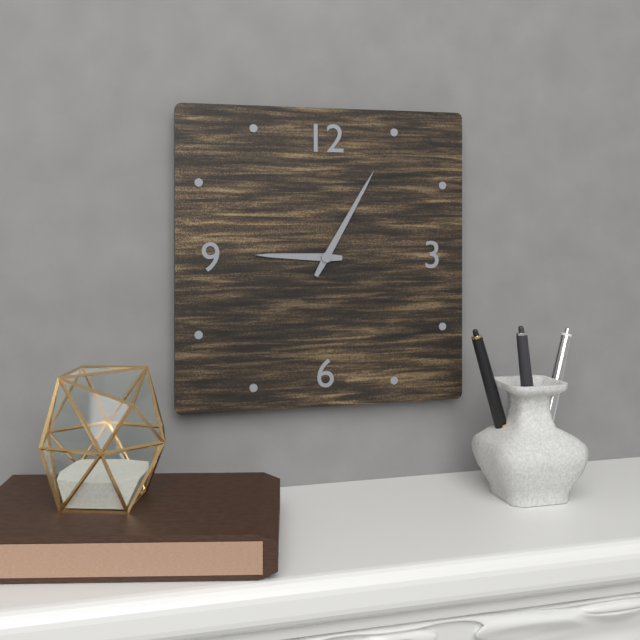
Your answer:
{"hour": 9, "minute": 5}
